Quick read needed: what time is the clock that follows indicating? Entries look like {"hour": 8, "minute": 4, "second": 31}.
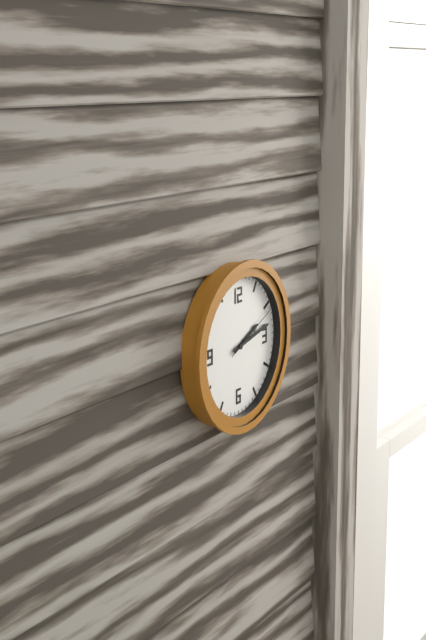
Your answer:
{"hour": 2, "minute": 13, "second": 11}
